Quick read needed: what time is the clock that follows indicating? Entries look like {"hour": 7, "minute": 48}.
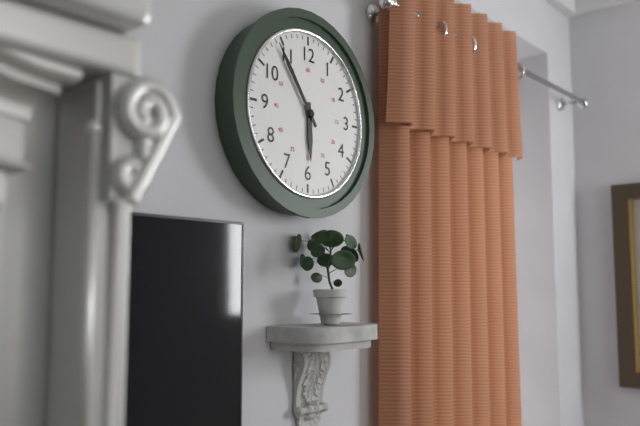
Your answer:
{"hour": 5, "minute": 54}
